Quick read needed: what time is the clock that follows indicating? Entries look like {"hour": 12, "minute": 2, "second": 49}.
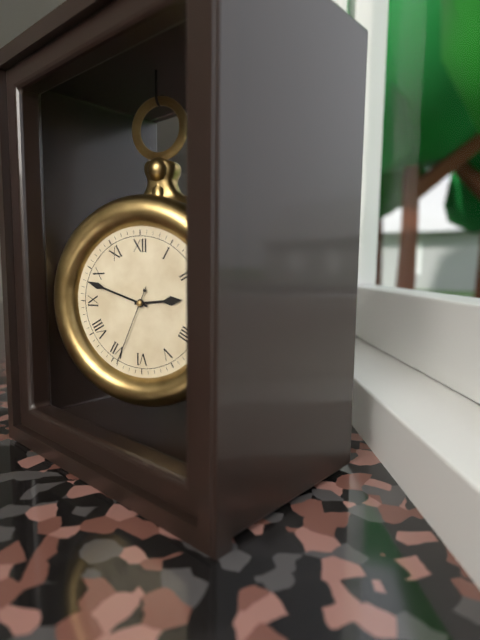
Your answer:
{"hour": 2, "minute": 48, "second": 34}
